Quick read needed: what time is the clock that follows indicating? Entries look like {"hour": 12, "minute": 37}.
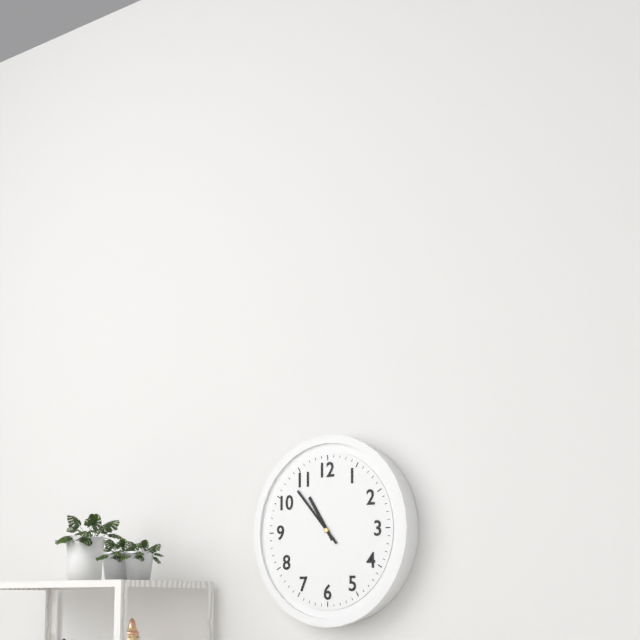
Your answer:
{"hour": 10, "minute": 53}
